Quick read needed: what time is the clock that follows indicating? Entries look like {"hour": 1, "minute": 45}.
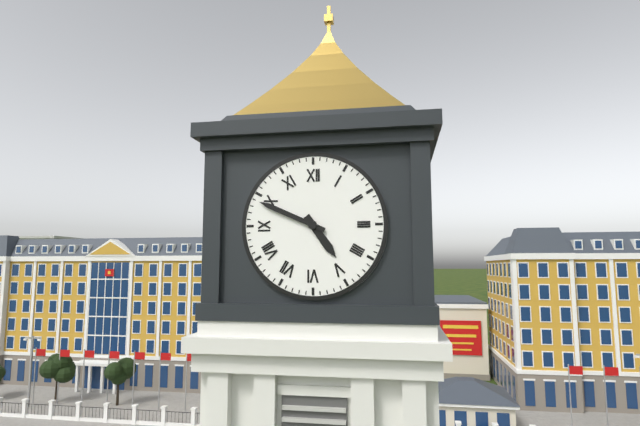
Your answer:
{"hour": 4, "minute": 49}
